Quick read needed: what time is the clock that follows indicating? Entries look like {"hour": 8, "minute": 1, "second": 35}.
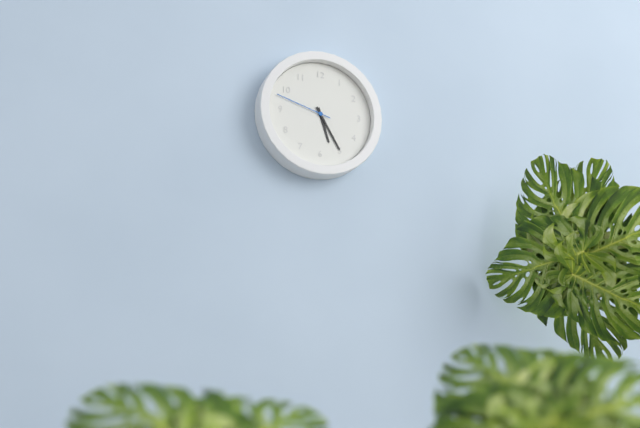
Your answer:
{"hour": 5, "minute": 25, "second": 48}
